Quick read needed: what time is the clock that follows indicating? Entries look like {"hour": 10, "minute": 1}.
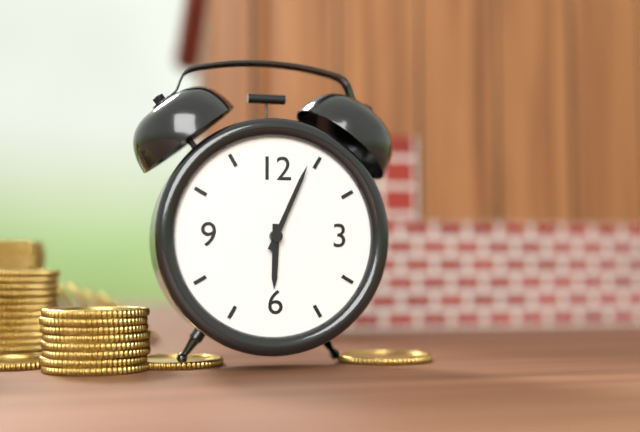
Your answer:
{"hour": 6, "minute": 4}
